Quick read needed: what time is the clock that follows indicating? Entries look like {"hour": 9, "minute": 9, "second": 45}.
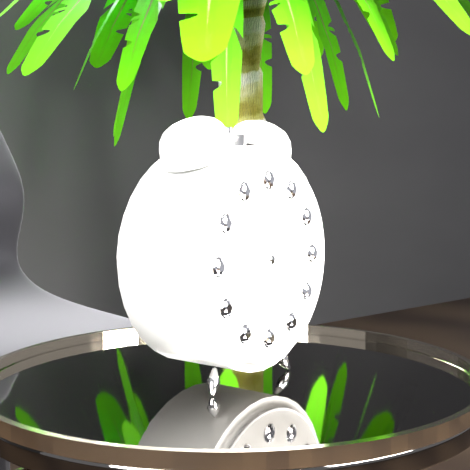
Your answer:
{"hour": 7, "minute": 11, "second": 41}
